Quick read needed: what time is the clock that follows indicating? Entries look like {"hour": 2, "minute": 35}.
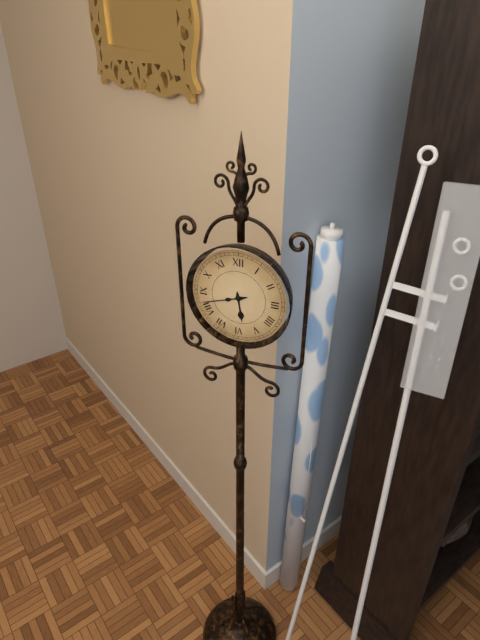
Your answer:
{"hour": 5, "minute": 42}
